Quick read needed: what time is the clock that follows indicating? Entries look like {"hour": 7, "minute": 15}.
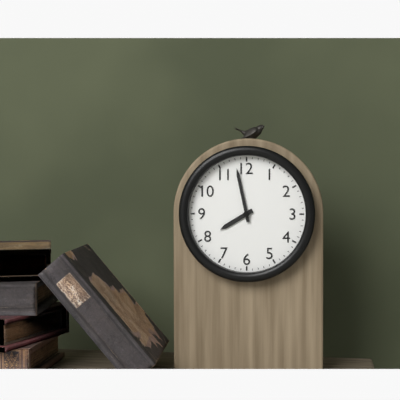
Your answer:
{"hour": 7, "minute": 58}
